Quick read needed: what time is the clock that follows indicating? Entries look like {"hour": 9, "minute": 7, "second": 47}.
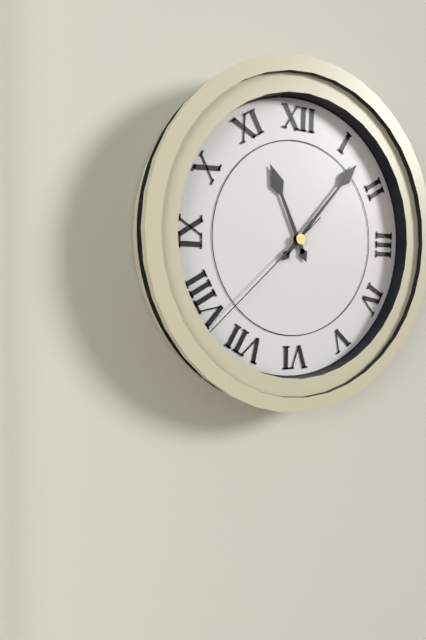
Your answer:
{"hour": 11, "minute": 7, "second": 38}
